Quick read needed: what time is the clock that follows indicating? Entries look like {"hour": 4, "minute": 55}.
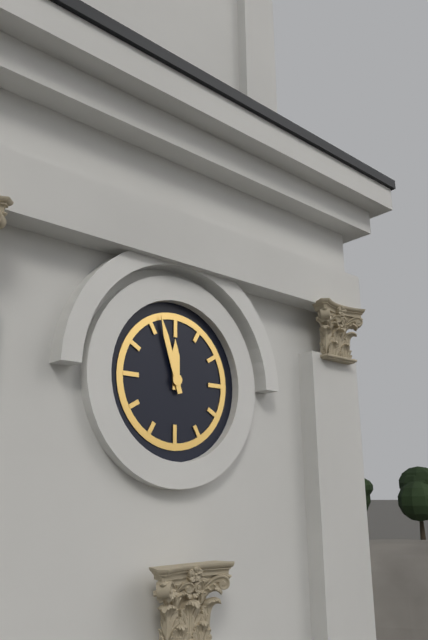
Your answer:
{"hour": 11, "minute": 57}
